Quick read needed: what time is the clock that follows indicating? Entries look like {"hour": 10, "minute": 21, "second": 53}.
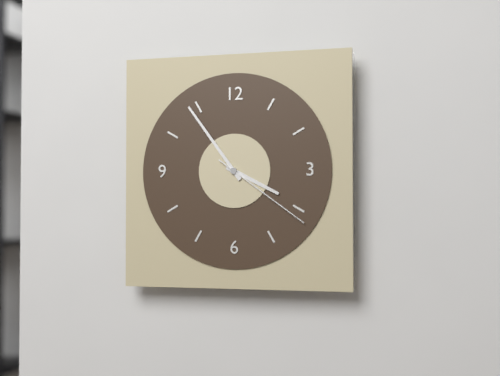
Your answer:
{"hour": 3, "minute": 54, "second": 21}
